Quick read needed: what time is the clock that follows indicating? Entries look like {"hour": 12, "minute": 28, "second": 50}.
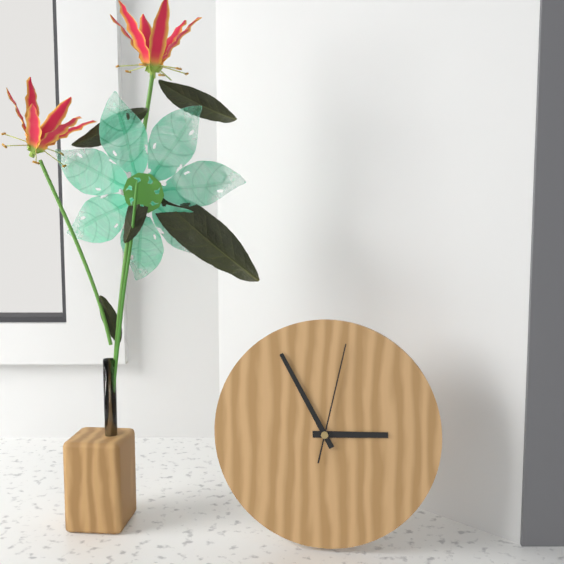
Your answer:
{"hour": 2, "minute": 55, "second": 2}
